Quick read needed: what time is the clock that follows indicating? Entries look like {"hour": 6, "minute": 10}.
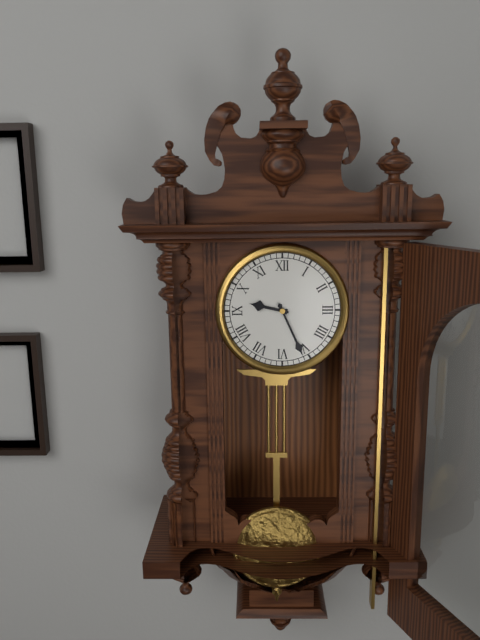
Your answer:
{"hour": 9, "minute": 26}
